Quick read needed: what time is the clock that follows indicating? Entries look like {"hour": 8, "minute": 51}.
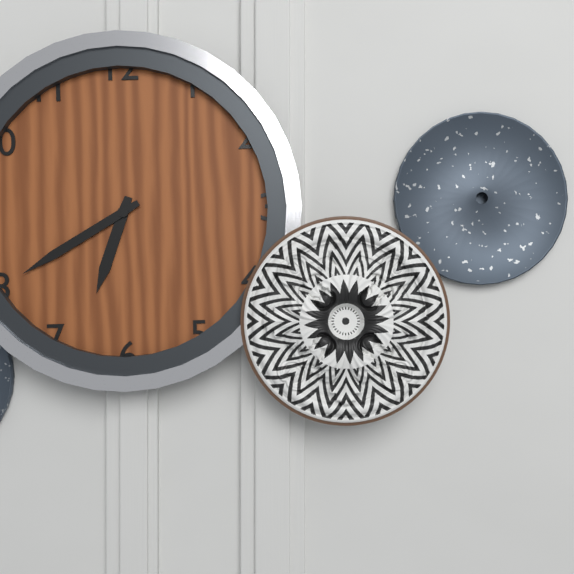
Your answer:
{"hour": 6, "minute": 40}
